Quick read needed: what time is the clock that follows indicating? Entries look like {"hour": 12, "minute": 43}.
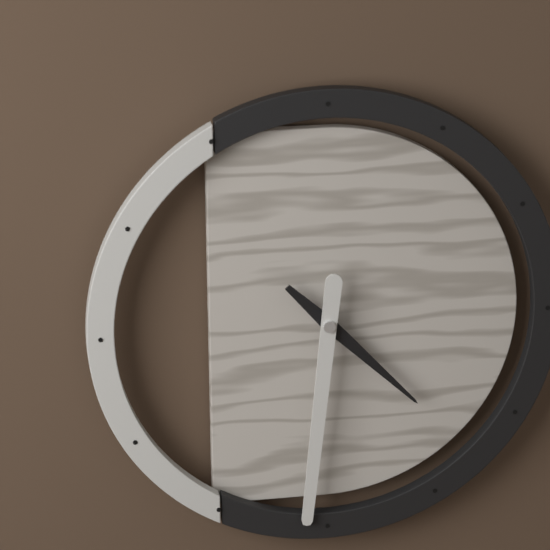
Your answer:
{"hour": 4, "minute": 31}
